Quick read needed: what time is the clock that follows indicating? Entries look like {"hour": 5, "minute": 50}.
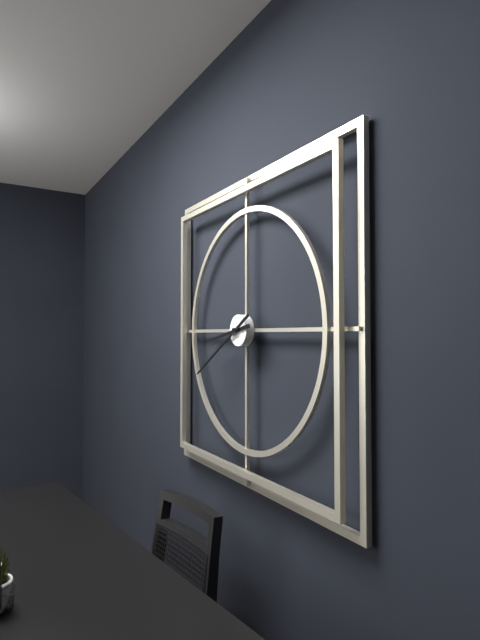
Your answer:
{"hour": 8, "minute": 40}
